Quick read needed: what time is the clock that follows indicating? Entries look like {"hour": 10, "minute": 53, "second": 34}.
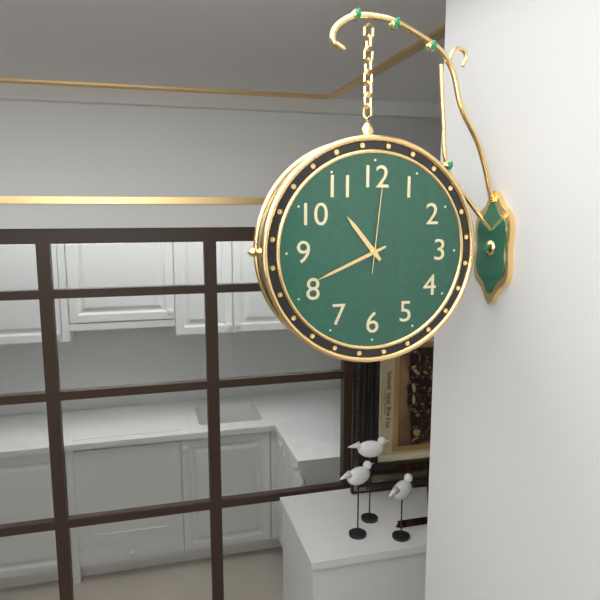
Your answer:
{"hour": 10, "minute": 41, "second": 1}
